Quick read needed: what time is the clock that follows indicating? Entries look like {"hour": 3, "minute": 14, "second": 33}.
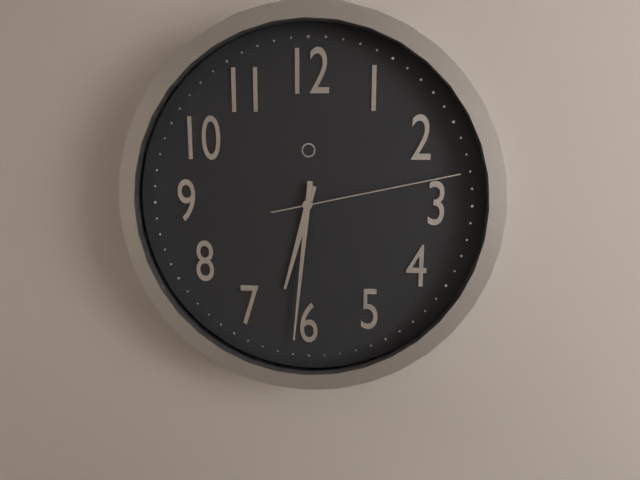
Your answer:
{"hour": 6, "minute": 31, "second": 13}
